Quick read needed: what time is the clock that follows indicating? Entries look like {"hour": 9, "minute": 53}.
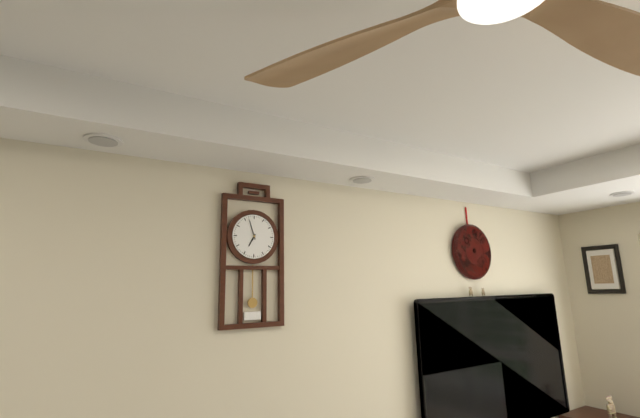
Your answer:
{"hour": 6, "minute": 57}
